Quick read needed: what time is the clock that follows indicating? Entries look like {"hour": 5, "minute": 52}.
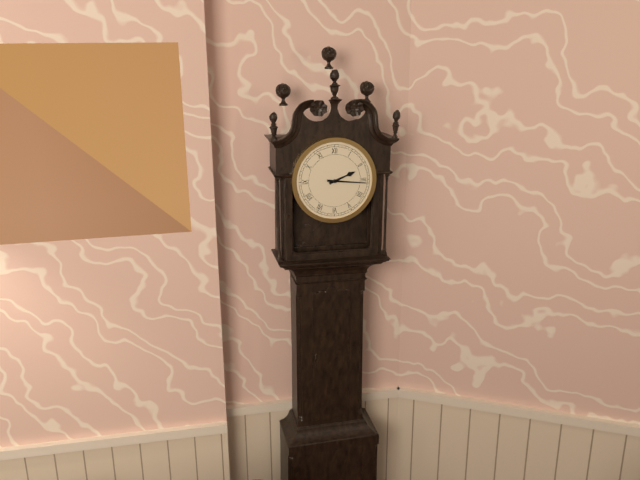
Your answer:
{"hour": 2, "minute": 16}
